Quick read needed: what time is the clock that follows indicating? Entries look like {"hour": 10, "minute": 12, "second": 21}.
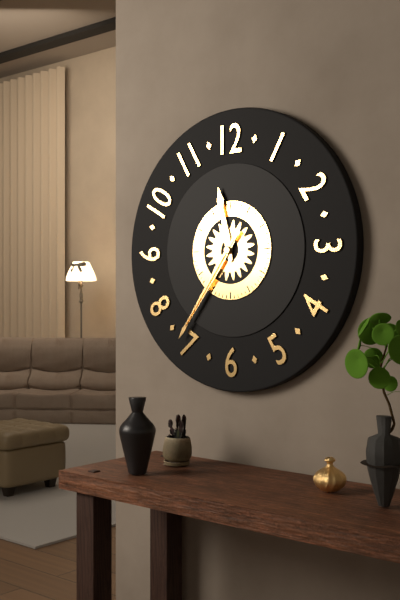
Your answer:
{"hour": 11, "minute": 36, "second": 36}
